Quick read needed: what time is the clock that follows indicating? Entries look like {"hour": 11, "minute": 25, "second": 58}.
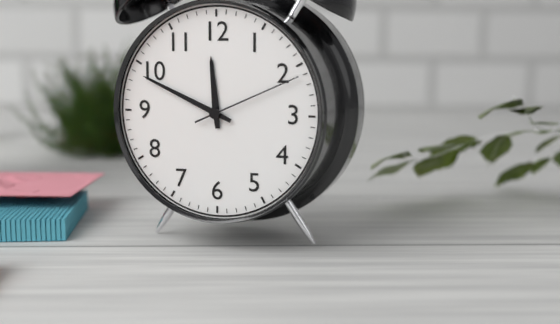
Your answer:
{"hour": 11, "minute": 49, "second": 11}
